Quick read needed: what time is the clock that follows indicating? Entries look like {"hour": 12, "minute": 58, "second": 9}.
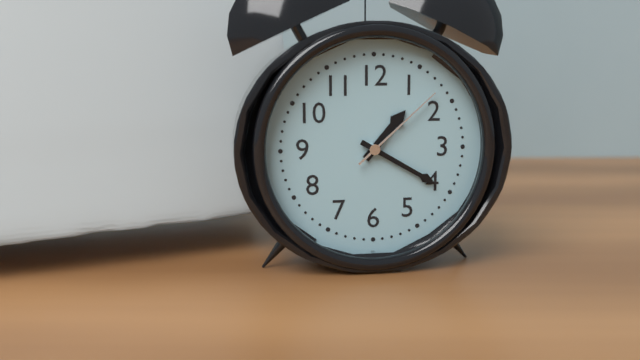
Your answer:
{"hour": 1, "minute": 20, "second": 8}
